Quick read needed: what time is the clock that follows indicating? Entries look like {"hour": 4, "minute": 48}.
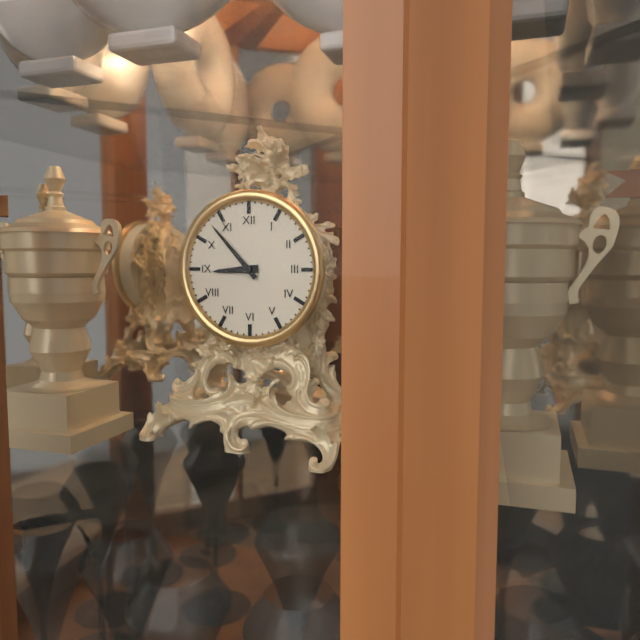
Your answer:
{"hour": 8, "minute": 53}
